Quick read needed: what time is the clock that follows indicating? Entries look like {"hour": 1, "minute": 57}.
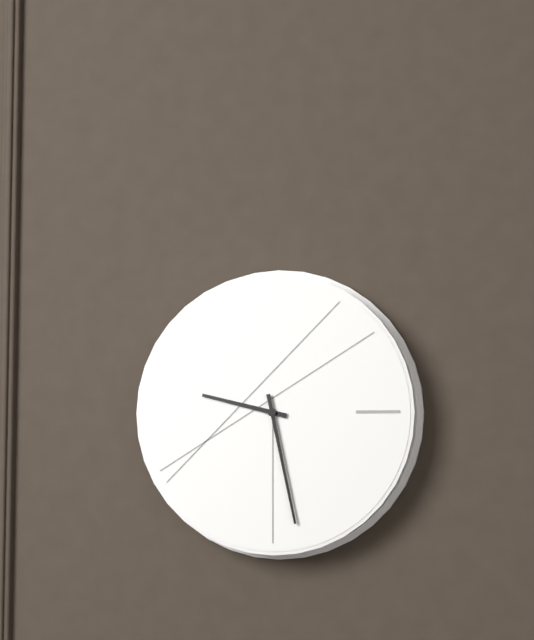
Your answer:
{"hour": 9, "minute": 28}
